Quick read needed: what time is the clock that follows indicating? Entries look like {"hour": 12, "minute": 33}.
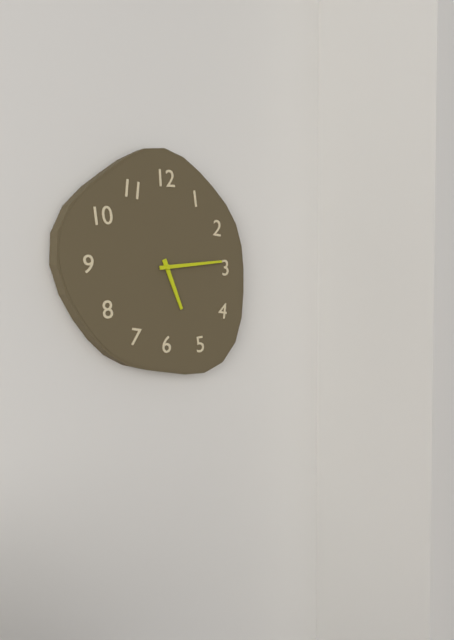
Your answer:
{"hour": 5, "minute": 14}
